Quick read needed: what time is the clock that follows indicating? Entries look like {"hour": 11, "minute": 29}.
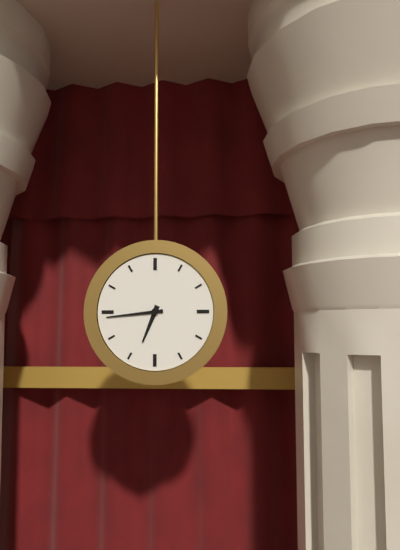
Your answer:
{"hour": 6, "minute": 44}
